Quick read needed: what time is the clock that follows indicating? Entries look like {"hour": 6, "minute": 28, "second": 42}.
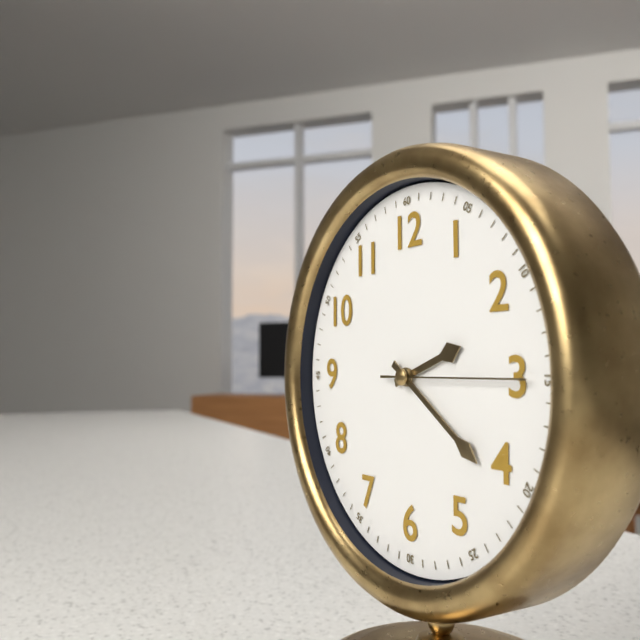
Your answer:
{"hour": 2, "minute": 21, "second": 15}
